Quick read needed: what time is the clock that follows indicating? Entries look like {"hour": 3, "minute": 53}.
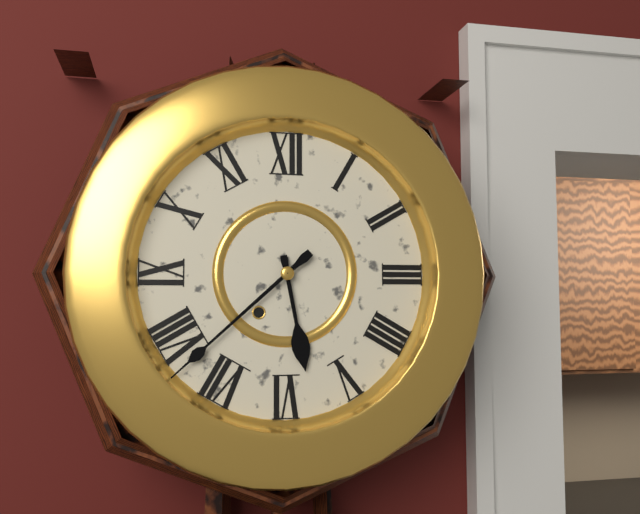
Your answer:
{"hour": 5, "minute": 38}
